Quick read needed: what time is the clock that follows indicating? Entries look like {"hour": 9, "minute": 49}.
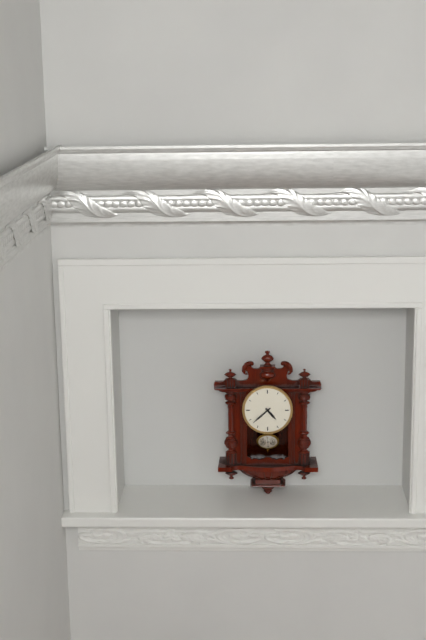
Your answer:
{"hour": 4, "minute": 38}
